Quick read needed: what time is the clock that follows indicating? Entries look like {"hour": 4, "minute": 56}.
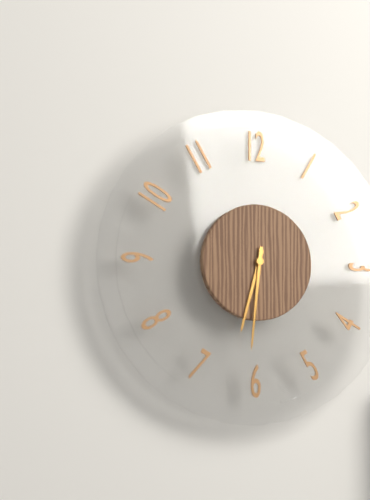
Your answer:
{"hour": 6, "minute": 31}
